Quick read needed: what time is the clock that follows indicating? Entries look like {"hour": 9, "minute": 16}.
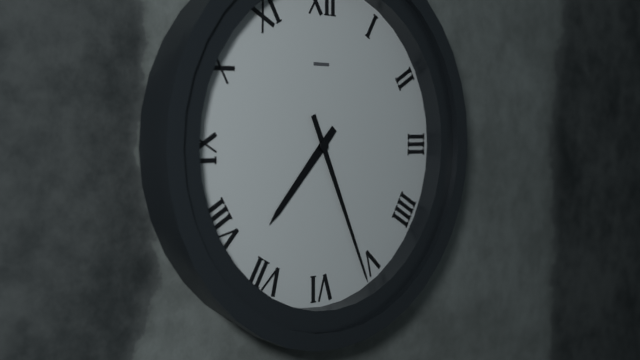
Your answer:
{"hour": 7, "minute": 26}
